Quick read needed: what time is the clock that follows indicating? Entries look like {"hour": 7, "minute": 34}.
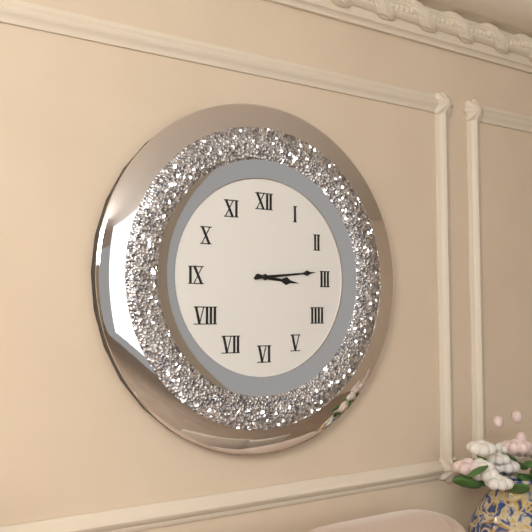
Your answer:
{"hour": 3, "minute": 14}
